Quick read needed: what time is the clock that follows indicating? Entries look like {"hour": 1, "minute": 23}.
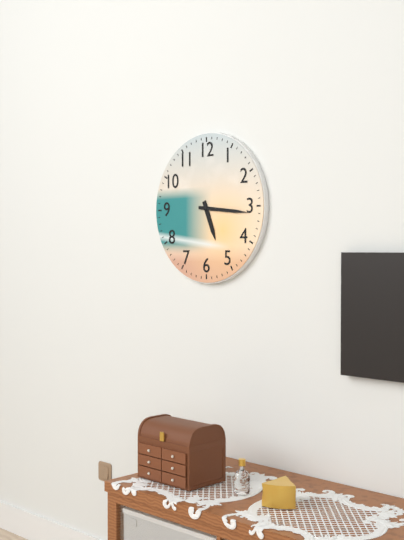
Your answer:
{"hour": 5, "minute": 16}
